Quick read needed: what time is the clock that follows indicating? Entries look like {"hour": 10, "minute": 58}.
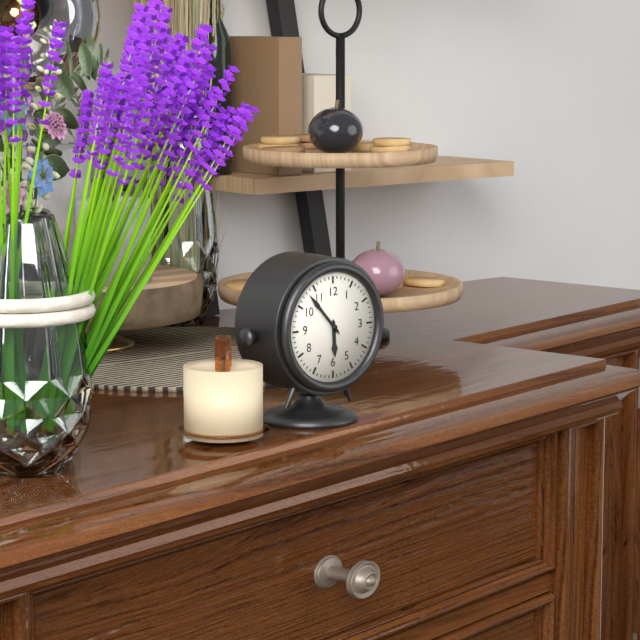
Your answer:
{"hour": 5, "minute": 53}
